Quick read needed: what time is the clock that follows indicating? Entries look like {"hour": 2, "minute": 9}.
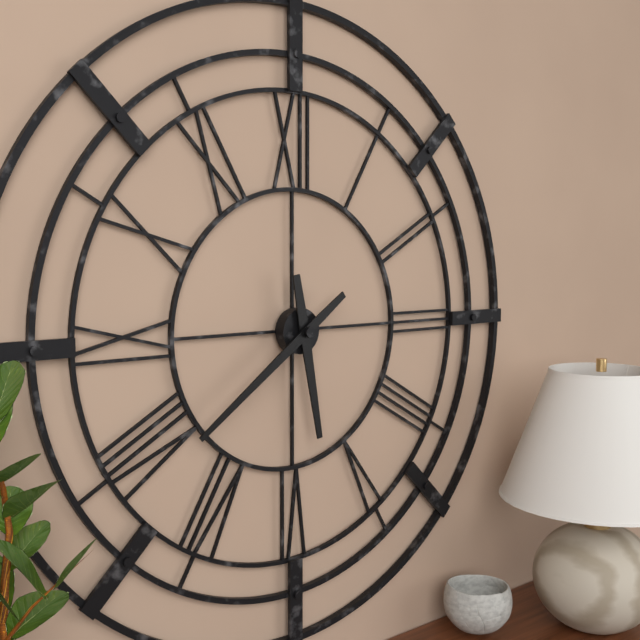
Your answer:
{"hour": 5, "minute": 39}
